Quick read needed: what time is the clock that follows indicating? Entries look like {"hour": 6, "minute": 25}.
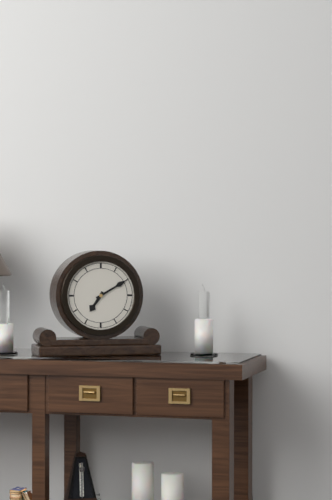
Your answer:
{"hour": 7, "minute": 10}
